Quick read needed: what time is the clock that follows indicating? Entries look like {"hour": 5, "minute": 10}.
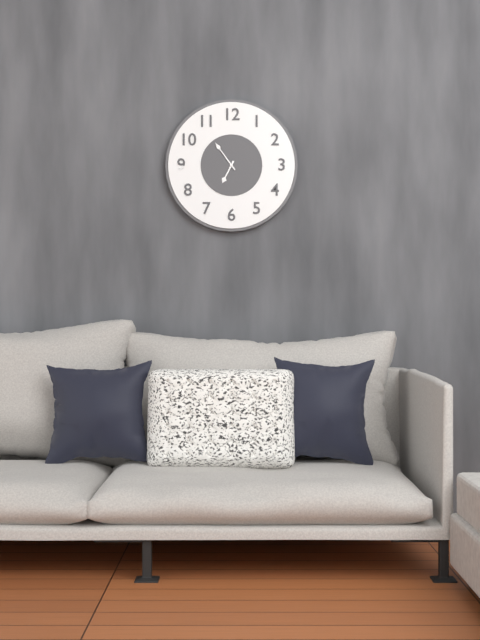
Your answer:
{"hour": 6, "minute": 54}
